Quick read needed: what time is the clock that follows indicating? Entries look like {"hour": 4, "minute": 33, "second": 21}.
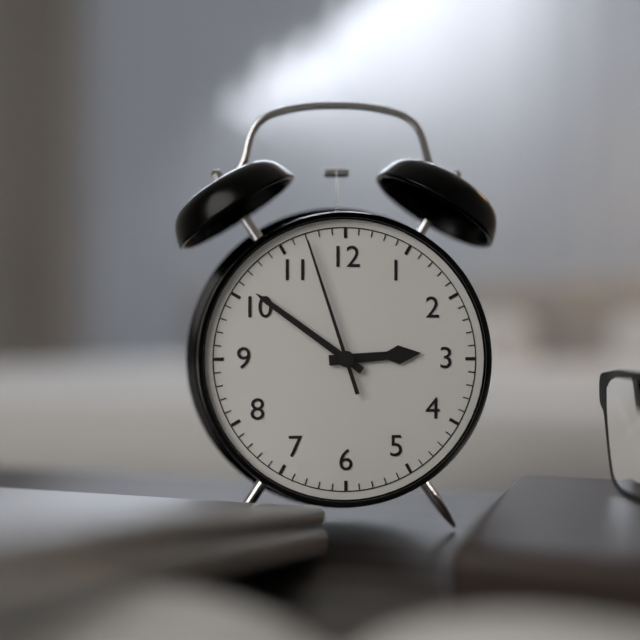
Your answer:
{"hour": 2, "minute": 51, "second": 57}
